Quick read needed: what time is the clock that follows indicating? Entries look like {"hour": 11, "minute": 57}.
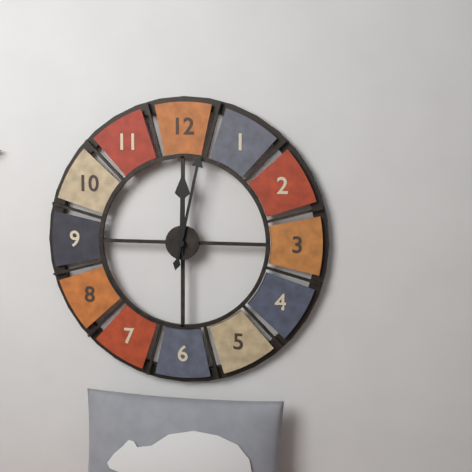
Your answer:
{"hour": 12, "minute": 2}
